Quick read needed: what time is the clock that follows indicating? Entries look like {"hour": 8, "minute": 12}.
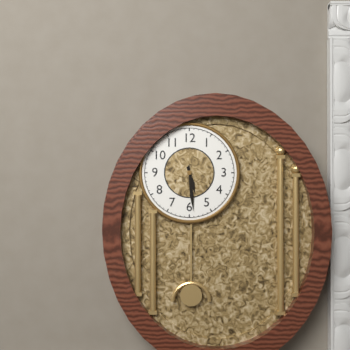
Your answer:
{"hour": 5, "minute": 29}
